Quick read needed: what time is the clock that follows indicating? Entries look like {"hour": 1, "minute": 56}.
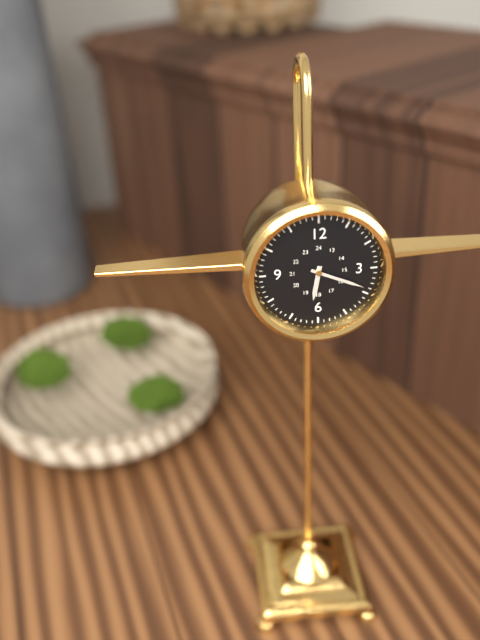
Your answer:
{"hour": 6, "minute": 19}
